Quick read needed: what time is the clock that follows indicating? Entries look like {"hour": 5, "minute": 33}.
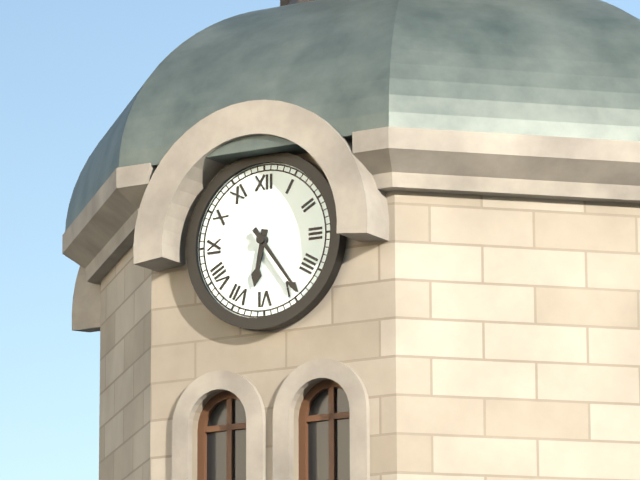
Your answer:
{"hour": 6, "minute": 24}
